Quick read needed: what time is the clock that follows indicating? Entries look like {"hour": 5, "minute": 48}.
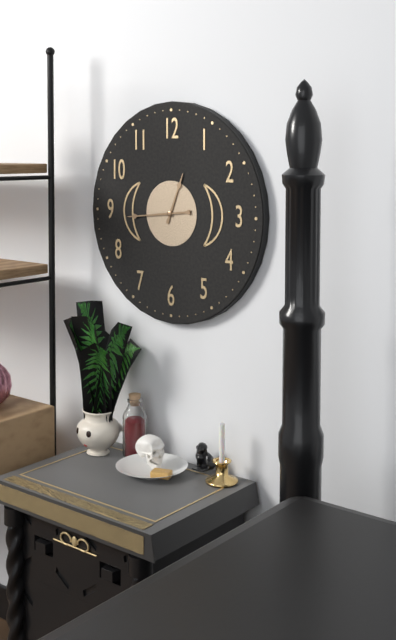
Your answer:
{"hour": 12, "minute": 44}
